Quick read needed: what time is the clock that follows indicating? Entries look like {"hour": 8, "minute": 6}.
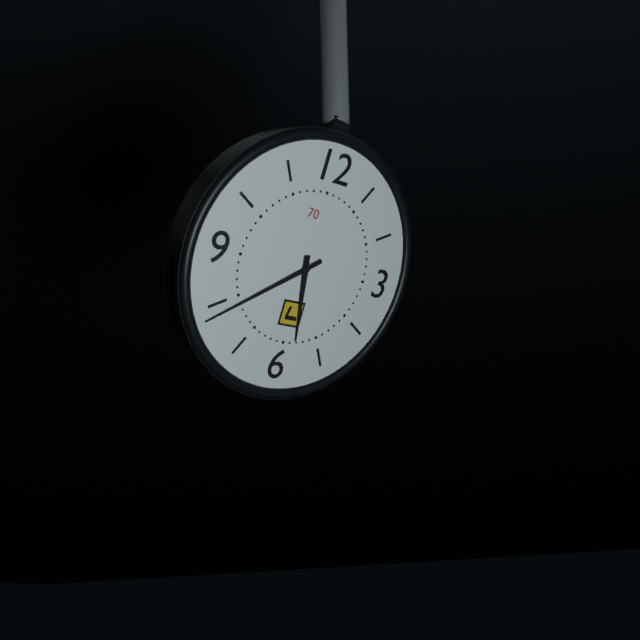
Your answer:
{"hour": 5, "minute": 39}
